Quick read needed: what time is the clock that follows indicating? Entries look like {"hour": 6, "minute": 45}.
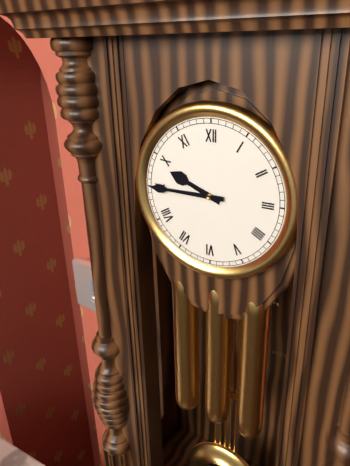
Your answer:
{"hour": 9, "minute": 45}
